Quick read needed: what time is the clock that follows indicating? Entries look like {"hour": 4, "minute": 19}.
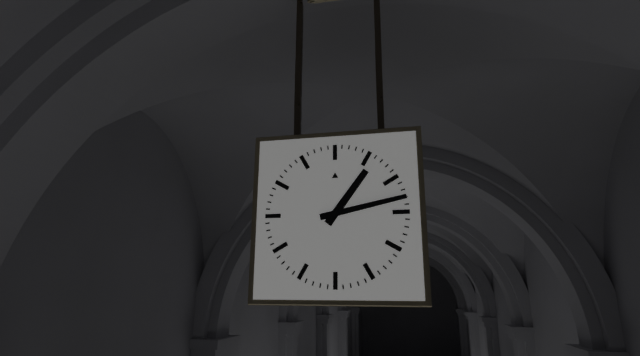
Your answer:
{"hour": 1, "minute": 13}
